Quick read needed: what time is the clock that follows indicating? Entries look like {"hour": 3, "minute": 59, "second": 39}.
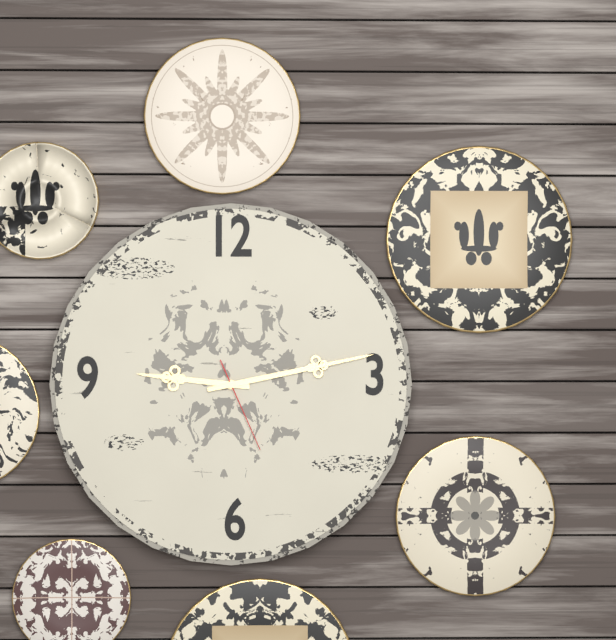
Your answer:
{"hour": 9, "minute": 13, "second": 26}
